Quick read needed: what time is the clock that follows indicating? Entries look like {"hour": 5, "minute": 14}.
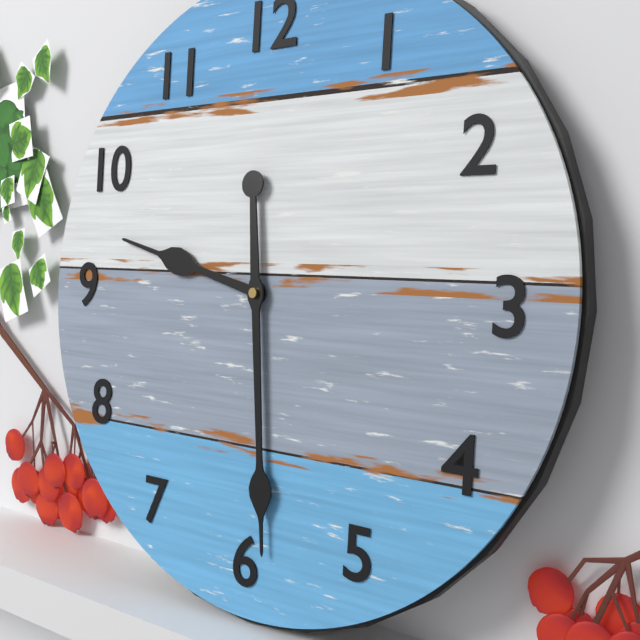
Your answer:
{"hour": 9, "minute": 29}
